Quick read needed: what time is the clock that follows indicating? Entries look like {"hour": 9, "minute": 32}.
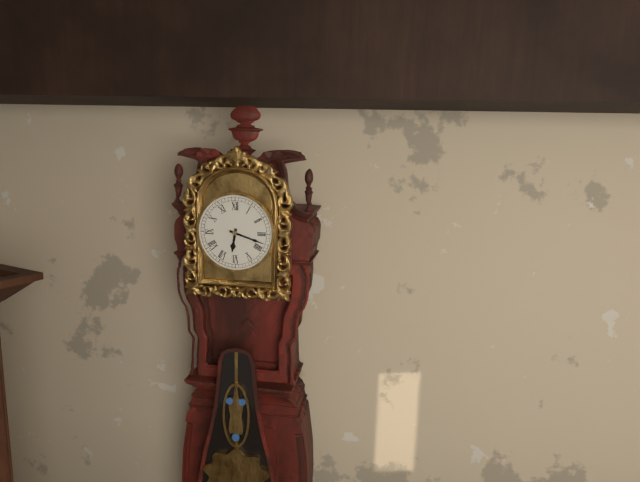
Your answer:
{"hour": 6, "minute": 18}
